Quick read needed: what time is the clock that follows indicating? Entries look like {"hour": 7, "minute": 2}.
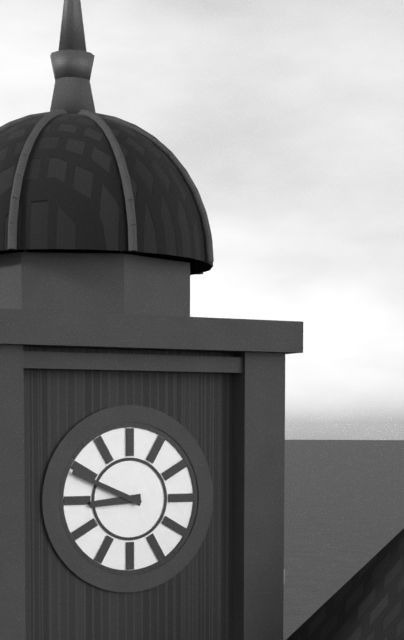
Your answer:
{"hour": 8, "minute": 49}
